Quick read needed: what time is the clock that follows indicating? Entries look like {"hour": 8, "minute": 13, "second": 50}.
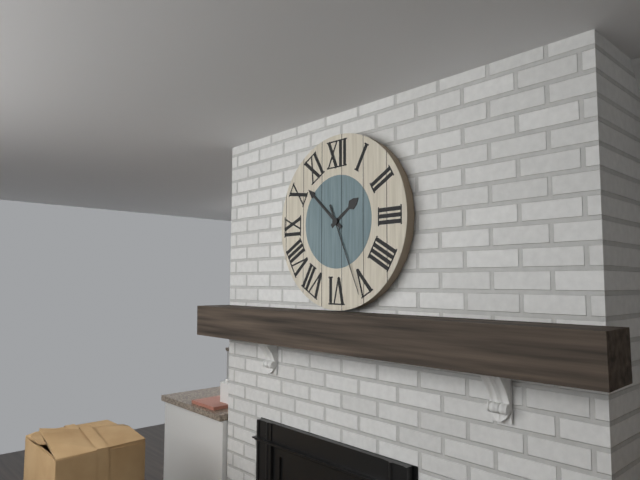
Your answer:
{"hour": 1, "minute": 52, "second": 26}
